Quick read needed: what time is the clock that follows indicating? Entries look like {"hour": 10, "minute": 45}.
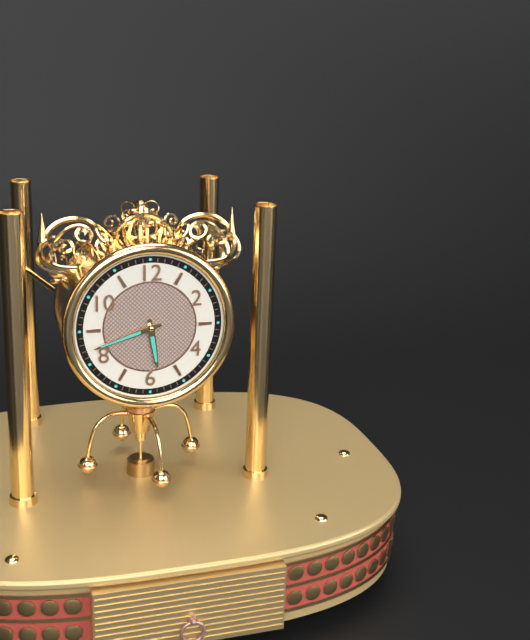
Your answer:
{"hour": 5, "minute": 42}
